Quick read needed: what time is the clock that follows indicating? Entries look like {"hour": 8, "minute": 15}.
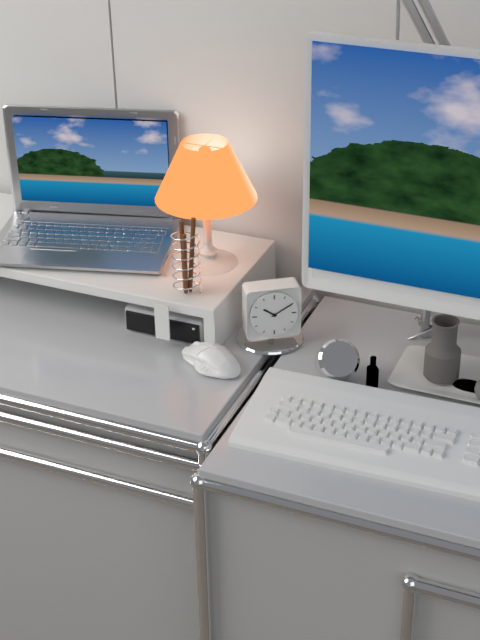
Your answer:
{"hour": 10, "minute": 10}
